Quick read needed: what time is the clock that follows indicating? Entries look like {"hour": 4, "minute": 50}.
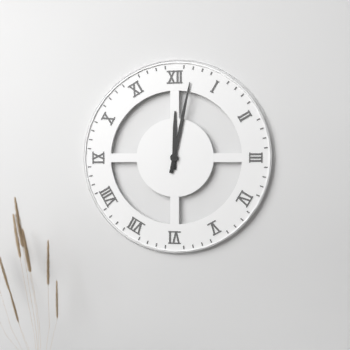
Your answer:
{"hour": 12, "minute": 2}
